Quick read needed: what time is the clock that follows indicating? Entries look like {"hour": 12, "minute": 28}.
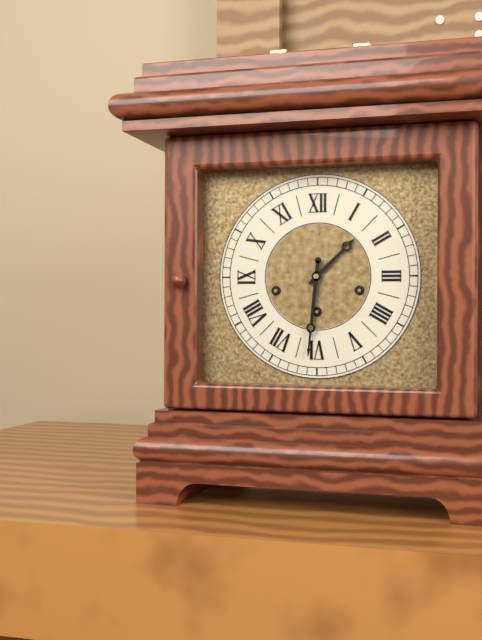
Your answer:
{"hour": 1, "minute": 31}
